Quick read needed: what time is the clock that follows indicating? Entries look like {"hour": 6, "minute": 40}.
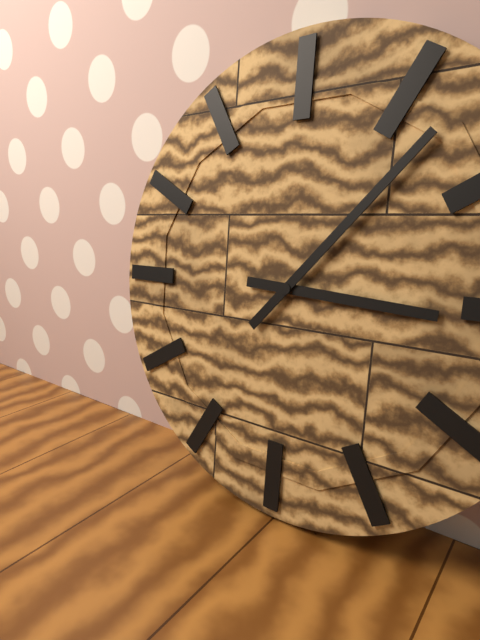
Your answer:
{"hour": 3, "minute": 7}
